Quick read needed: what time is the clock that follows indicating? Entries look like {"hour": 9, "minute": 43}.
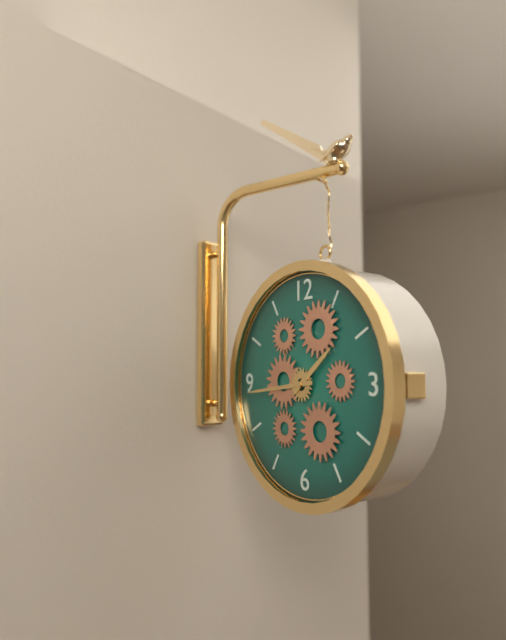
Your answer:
{"hour": 1, "minute": 44}
